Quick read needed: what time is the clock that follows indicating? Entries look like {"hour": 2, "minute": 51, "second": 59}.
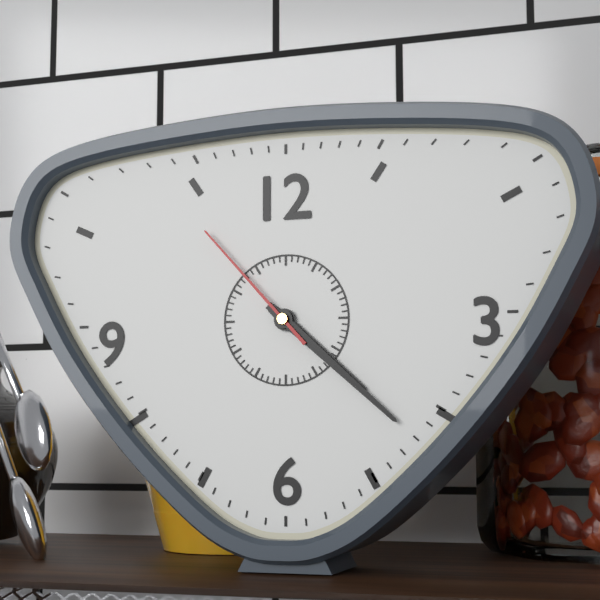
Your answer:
{"hour": 4, "minute": 22, "second": 53}
